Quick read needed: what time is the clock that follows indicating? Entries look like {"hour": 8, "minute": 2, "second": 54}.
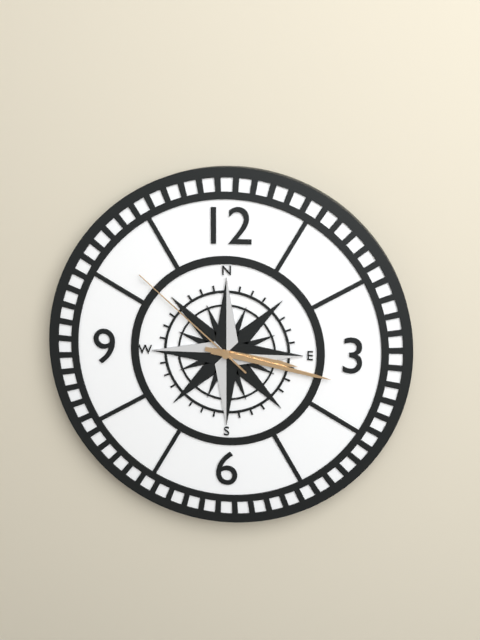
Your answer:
{"hour": 3, "minute": 17, "second": 52}
